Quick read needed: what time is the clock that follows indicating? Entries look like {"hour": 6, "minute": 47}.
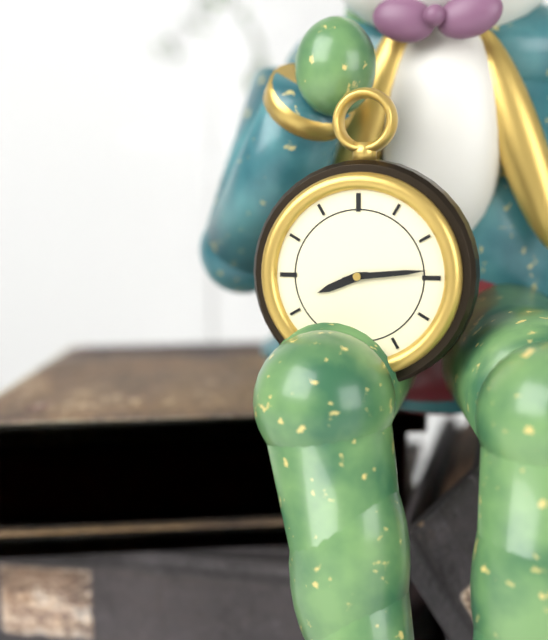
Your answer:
{"hour": 8, "minute": 14}
